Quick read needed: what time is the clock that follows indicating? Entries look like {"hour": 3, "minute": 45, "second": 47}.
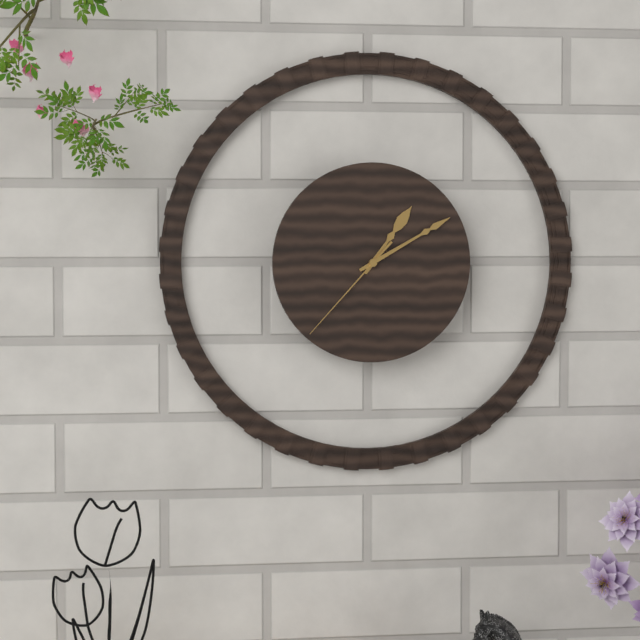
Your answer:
{"hour": 1, "minute": 10, "second": 37}
